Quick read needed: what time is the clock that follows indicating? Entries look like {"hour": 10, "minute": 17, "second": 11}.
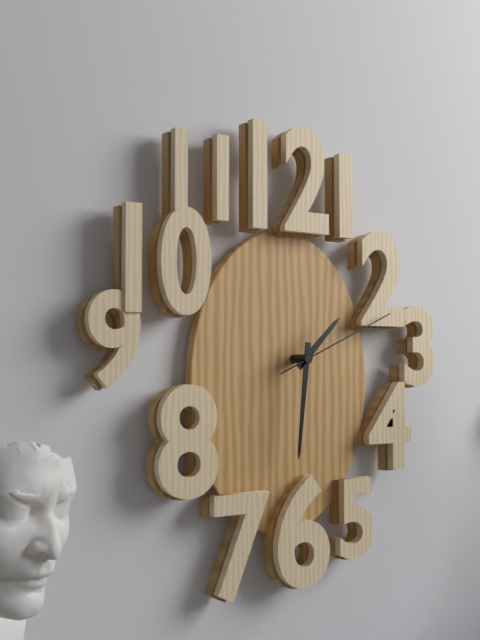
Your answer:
{"hour": 1, "minute": 31, "second": 11}
